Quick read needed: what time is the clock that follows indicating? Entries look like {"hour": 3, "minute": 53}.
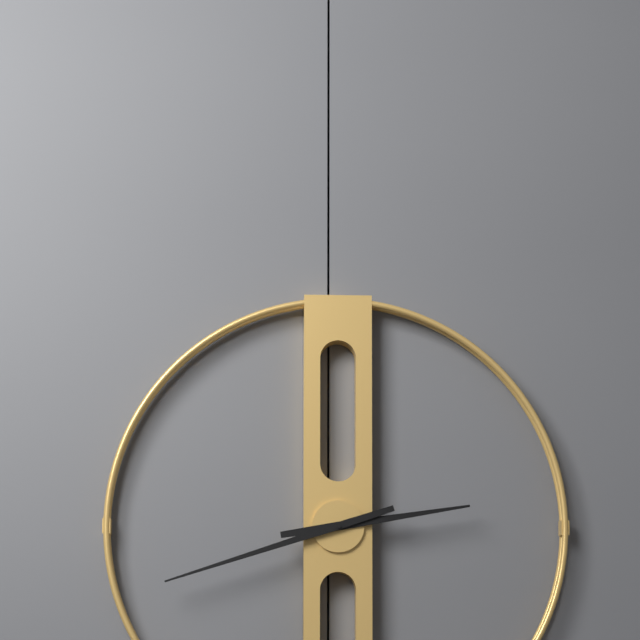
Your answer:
{"hour": 2, "minute": 42}
